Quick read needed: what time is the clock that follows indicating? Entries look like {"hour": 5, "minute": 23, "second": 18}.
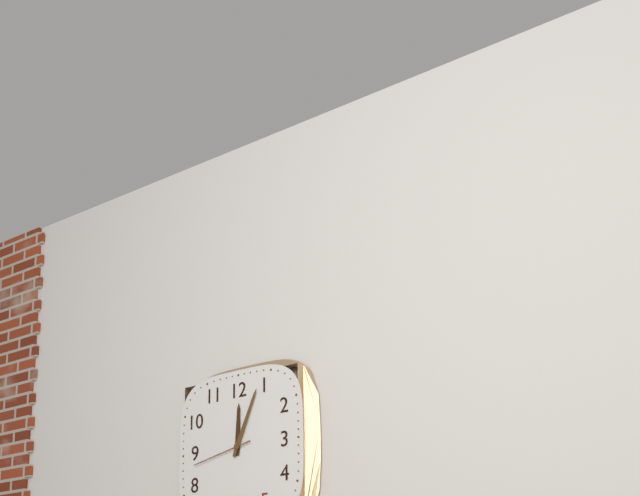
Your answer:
{"hour": 12, "minute": 4, "second": 43}
